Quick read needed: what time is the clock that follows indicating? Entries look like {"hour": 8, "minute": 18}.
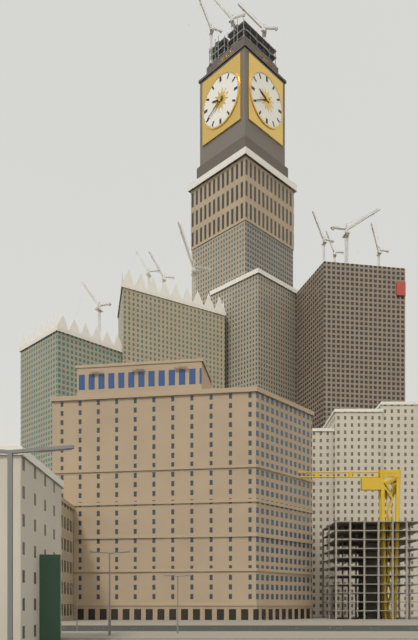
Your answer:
{"hour": 9, "minute": 40}
